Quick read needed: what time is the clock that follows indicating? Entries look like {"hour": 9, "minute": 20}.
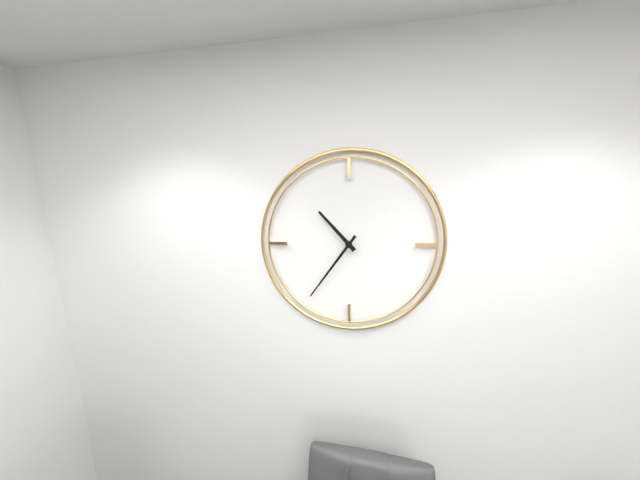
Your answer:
{"hour": 10, "minute": 36}
